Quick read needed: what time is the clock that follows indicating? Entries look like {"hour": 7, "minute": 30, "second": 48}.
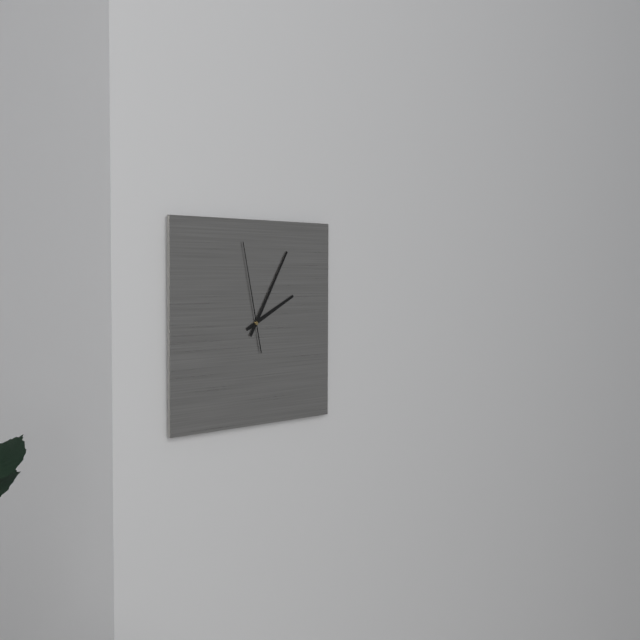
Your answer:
{"hour": 2, "minute": 5, "second": 58}
